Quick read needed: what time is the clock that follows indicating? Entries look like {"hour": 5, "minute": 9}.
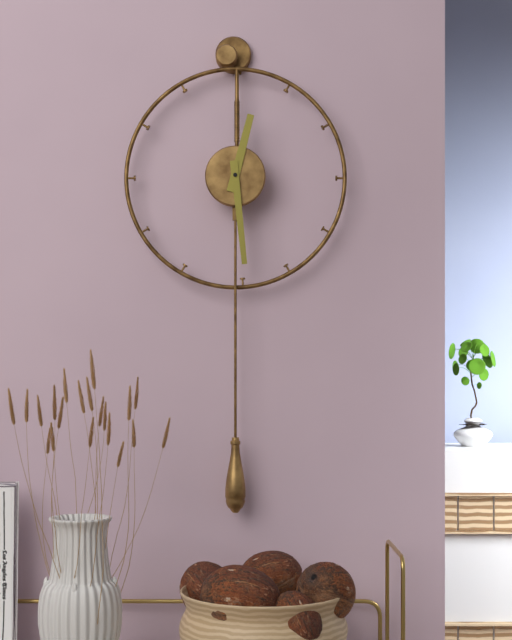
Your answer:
{"hour": 12, "minute": 29}
